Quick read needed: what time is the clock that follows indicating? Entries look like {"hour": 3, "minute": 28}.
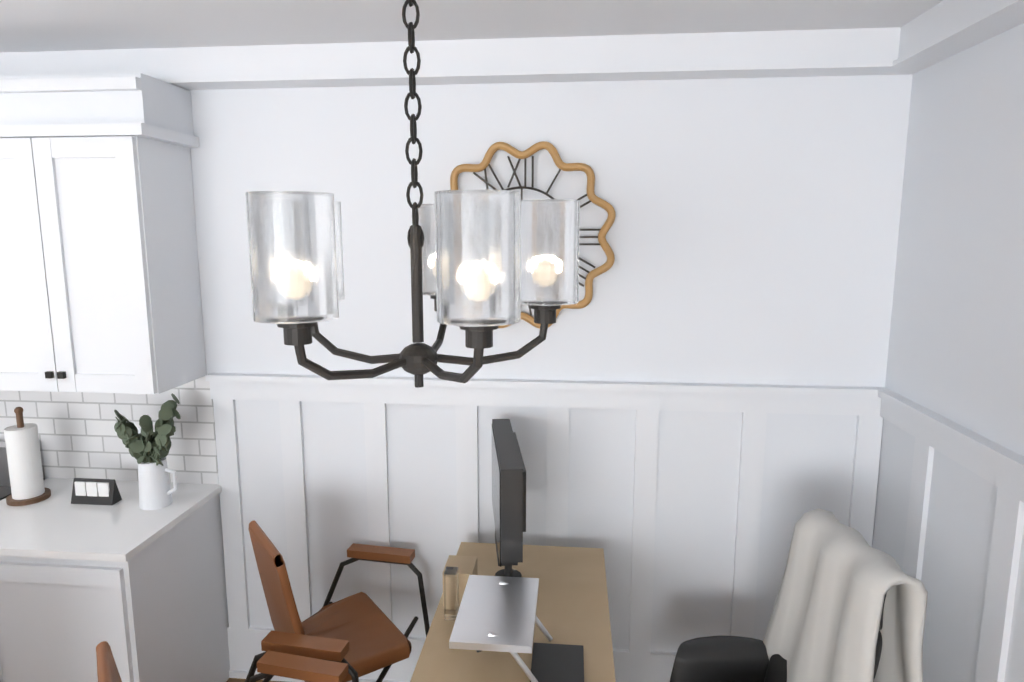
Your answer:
{"hour": 2, "minute": 9}
